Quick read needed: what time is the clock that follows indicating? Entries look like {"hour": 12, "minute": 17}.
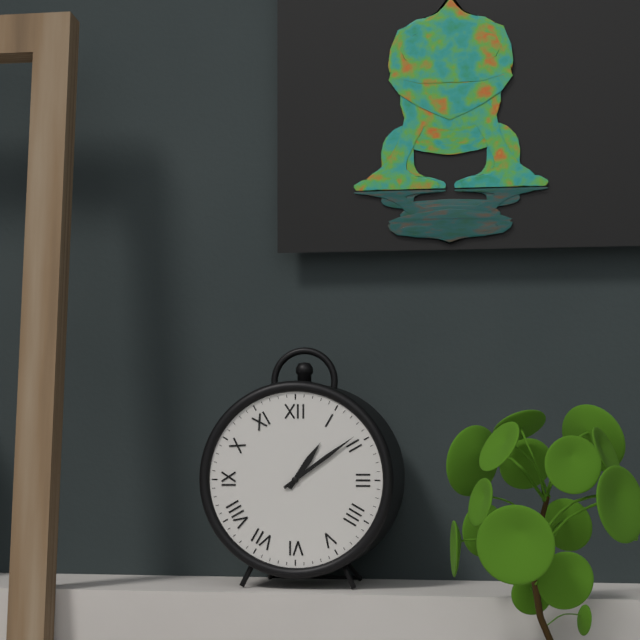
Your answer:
{"hour": 1, "minute": 9}
